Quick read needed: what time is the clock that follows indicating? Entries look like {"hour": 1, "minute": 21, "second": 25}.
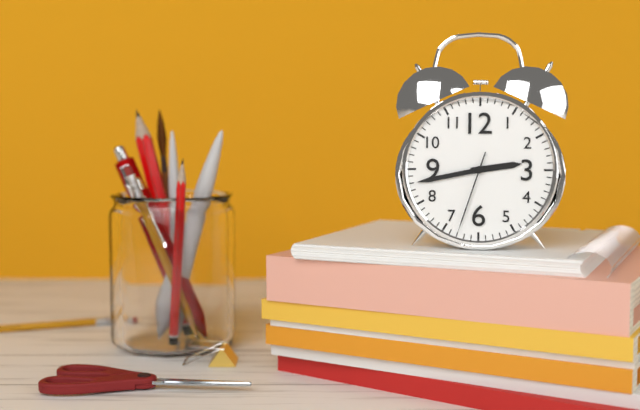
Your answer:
{"hour": 2, "minute": 43, "second": 33}
